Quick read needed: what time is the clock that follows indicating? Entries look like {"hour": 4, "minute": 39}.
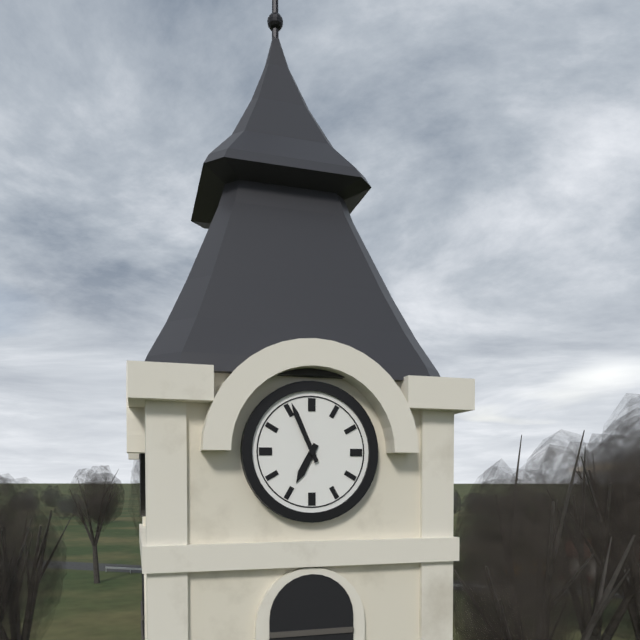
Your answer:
{"hour": 6, "minute": 56}
